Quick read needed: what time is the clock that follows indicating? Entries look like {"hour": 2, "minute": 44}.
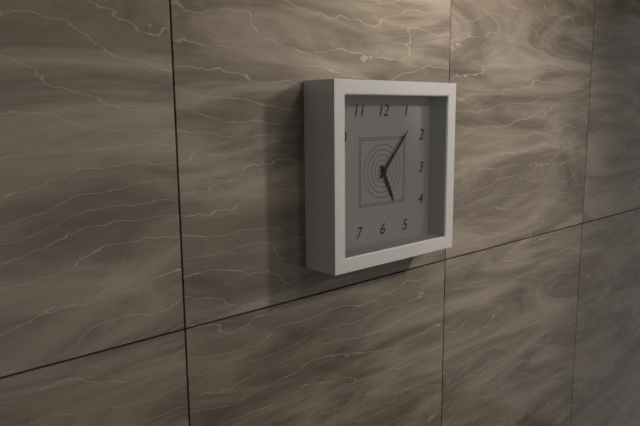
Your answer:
{"hour": 5, "minute": 7}
